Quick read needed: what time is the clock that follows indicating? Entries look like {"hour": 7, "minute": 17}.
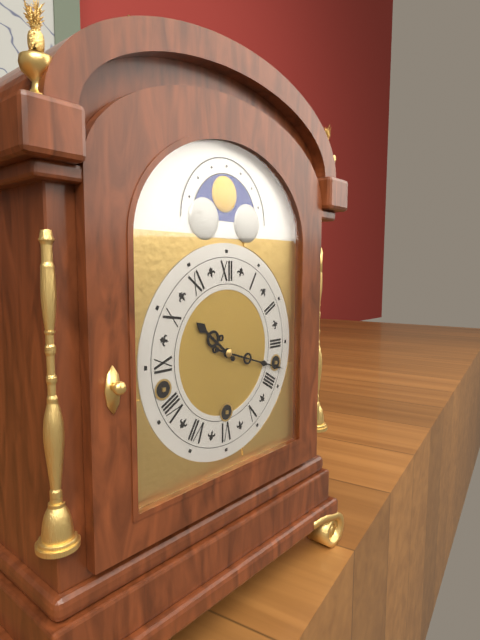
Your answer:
{"hour": 10, "minute": 18}
